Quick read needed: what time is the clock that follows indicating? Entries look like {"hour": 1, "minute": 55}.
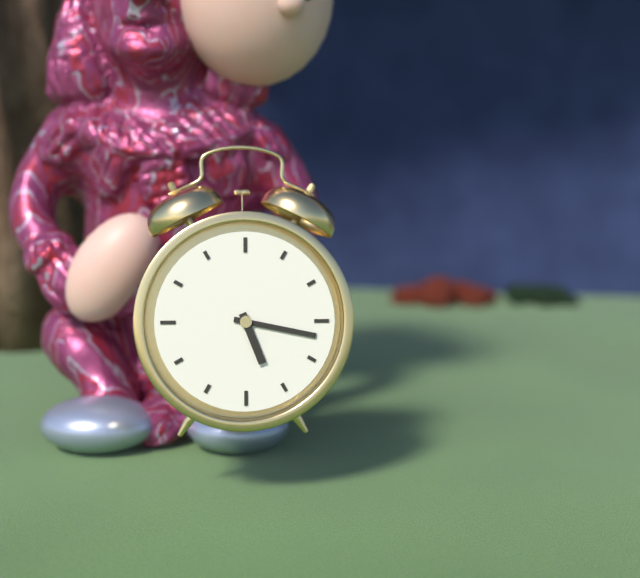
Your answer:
{"hour": 5, "minute": 17}
